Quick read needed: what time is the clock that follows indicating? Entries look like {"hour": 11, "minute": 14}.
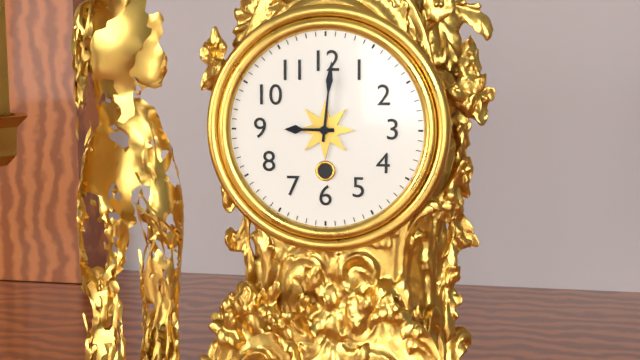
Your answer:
{"hour": 9, "minute": 1}
